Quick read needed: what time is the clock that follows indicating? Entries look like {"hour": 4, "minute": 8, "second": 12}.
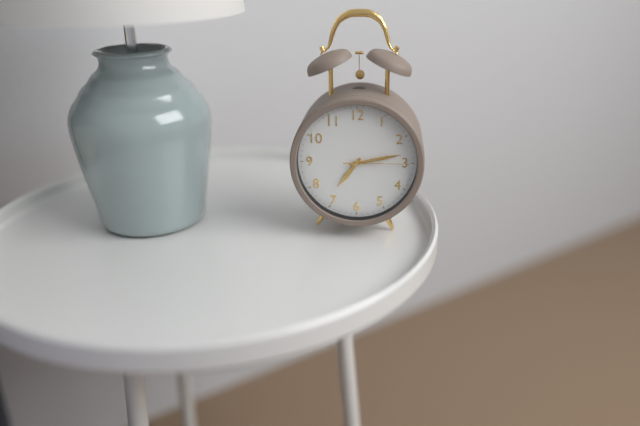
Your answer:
{"hour": 7, "minute": 13, "second": 15}
